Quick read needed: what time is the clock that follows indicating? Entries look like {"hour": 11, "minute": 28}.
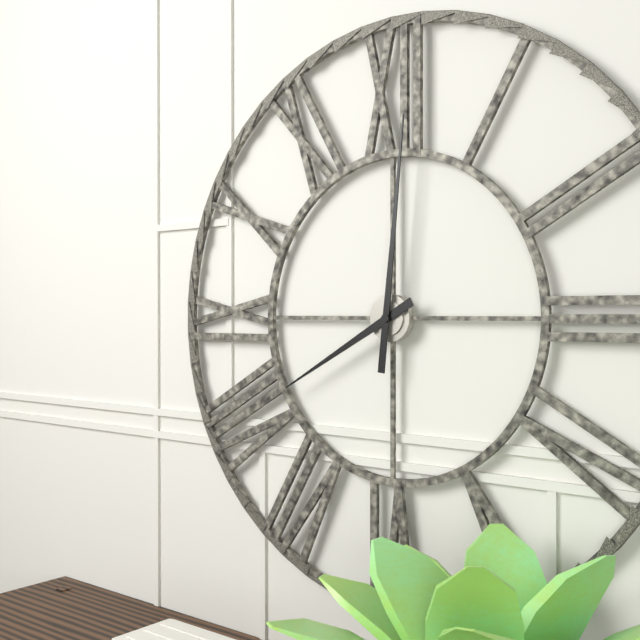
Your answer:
{"hour": 8, "minute": 1}
